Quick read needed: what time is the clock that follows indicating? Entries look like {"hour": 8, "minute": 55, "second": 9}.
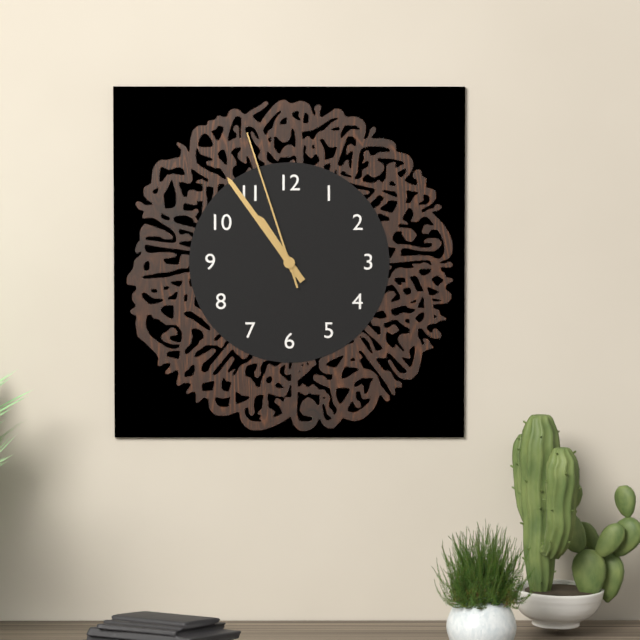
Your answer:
{"hour": 10, "minute": 54, "second": 57}
